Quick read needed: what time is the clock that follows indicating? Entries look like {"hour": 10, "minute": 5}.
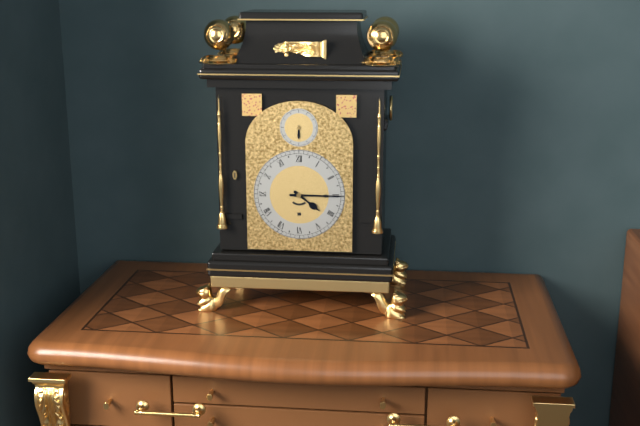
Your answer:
{"hour": 4, "minute": 15}
